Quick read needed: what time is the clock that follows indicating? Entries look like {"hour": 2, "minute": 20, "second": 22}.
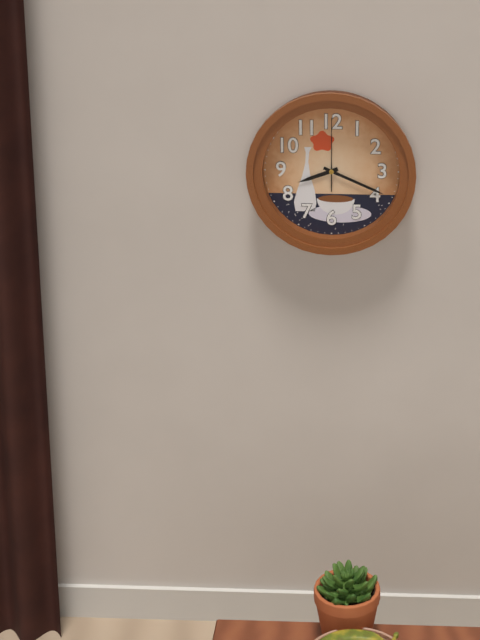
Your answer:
{"hour": 8, "minute": 19, "second": 0}
